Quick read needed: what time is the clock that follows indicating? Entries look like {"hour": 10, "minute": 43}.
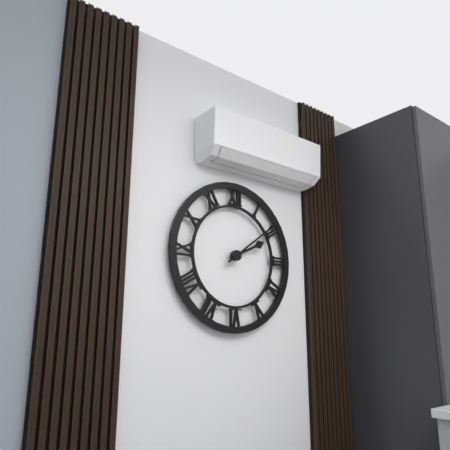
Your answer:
{"hour": 2, "minute": 9}
